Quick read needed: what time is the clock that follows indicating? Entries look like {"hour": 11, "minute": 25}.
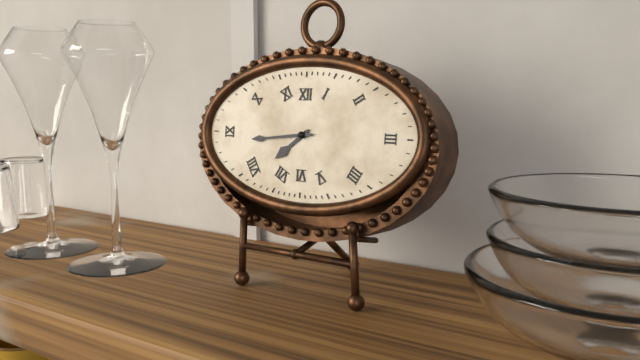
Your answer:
{"hour": 7, "minute": 44}
